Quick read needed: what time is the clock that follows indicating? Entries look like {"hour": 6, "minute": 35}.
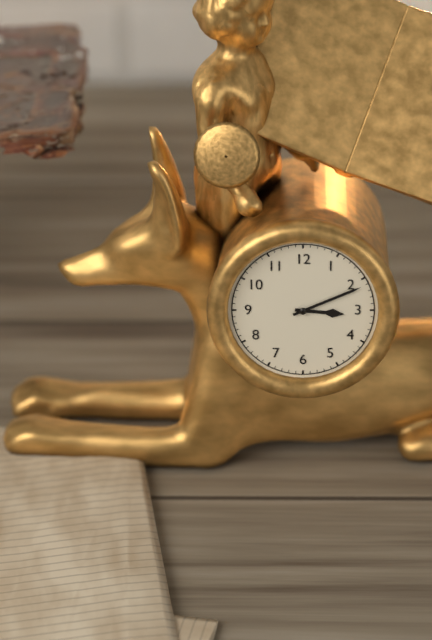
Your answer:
{"hour": 3, "minute": 11}
